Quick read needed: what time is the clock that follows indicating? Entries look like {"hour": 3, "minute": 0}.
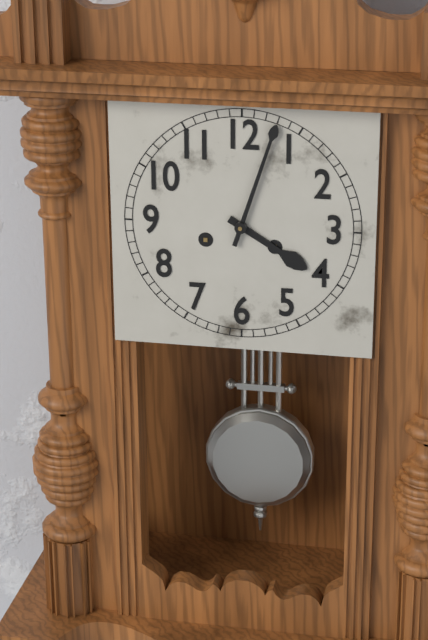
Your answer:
{"hour": 4, "minute": 3}
